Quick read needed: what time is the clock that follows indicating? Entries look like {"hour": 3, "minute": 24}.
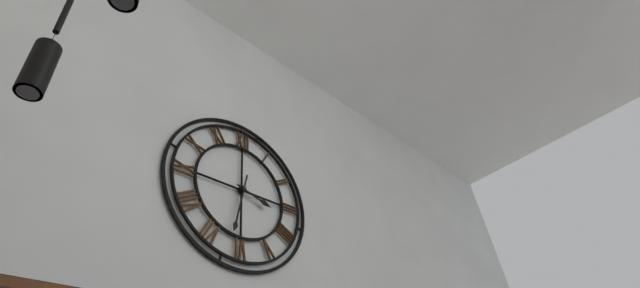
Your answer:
{"hour": 3, "minute": 32}
